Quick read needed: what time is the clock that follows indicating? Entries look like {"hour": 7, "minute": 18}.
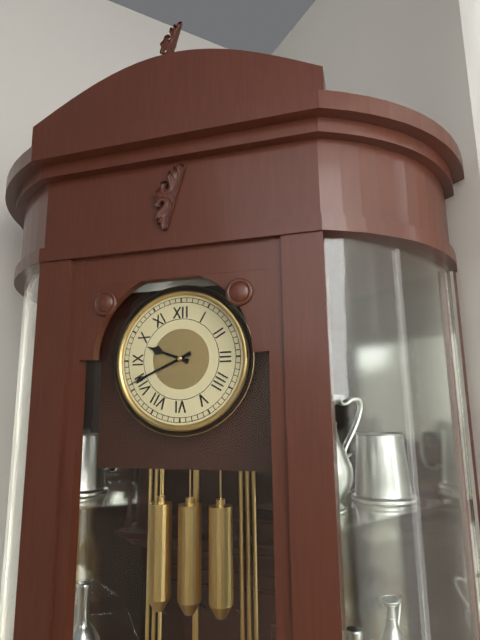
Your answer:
{"hour": 9, "minute": 41}
